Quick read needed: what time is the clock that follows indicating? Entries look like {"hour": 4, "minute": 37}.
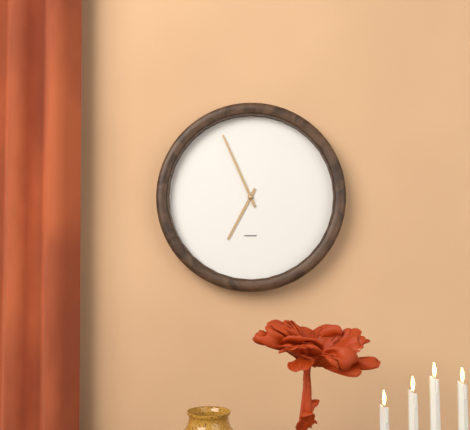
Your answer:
{"hour": 6, "minute": 56}
